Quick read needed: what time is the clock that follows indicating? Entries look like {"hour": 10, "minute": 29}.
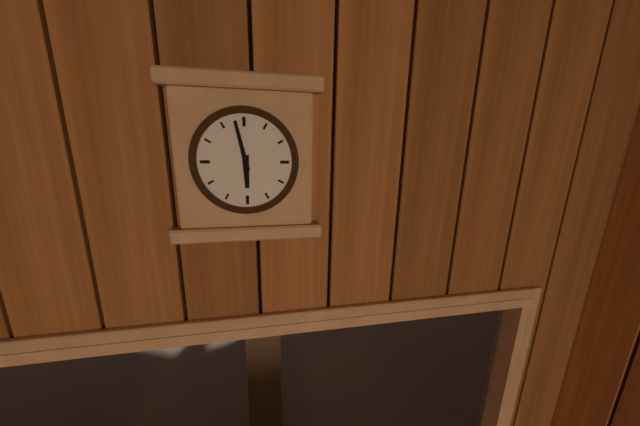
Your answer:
{"hour": 5, "minute": 58}
